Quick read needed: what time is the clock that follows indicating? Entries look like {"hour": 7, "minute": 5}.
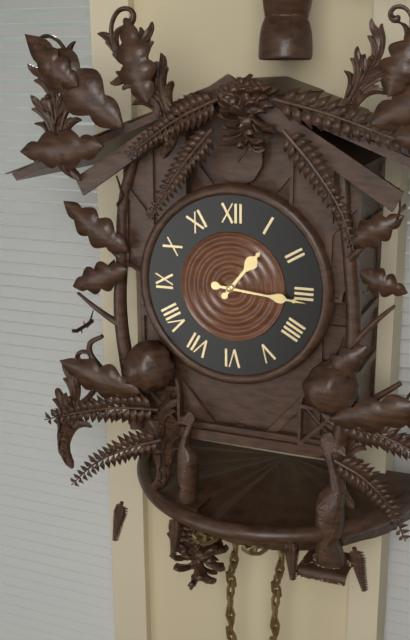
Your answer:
{"hour": 1, "minute": 16}
